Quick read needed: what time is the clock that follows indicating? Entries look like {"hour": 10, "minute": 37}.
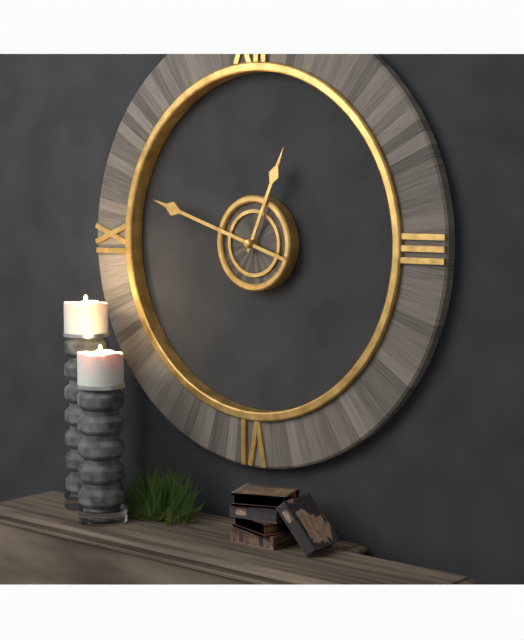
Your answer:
{"hour": 12, "minute": 48}
